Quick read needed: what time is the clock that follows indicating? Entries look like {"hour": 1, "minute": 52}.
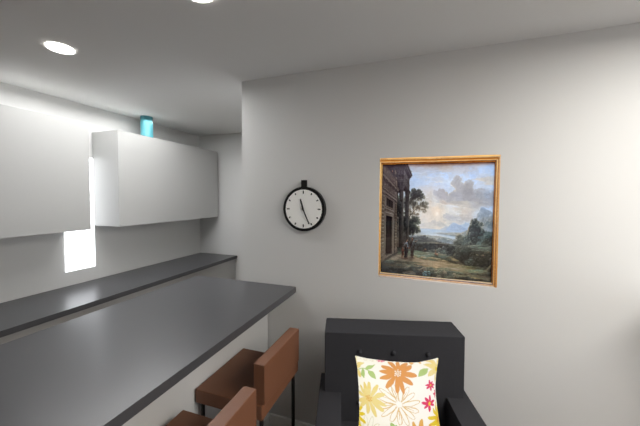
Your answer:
{"hour": 11, "minute": 26}
